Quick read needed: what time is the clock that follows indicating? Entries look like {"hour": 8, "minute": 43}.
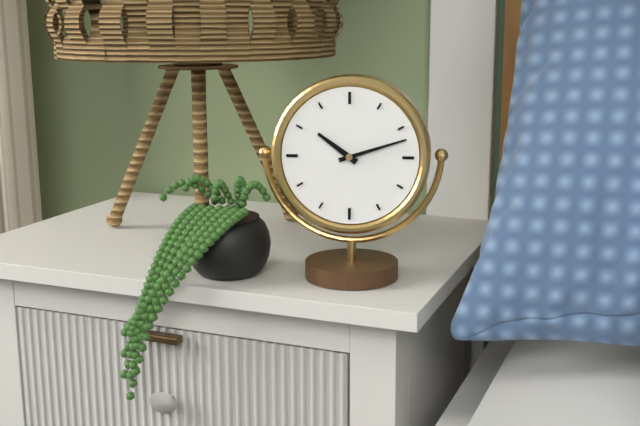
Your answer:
{"hour": 10, "minute": 12}
